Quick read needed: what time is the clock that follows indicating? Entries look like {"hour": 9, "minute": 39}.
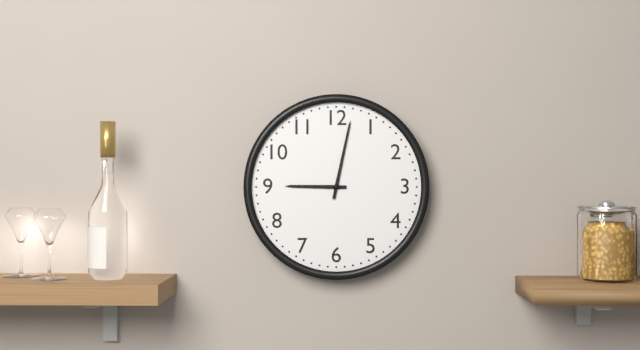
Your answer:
{"hour": 9, "minute": 2}
